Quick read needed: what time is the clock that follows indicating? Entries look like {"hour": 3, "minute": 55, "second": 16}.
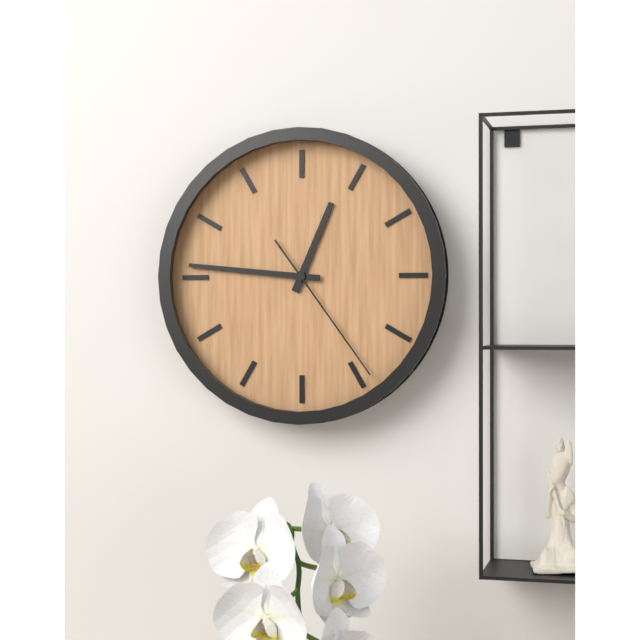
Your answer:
{"hour": 12, "minute": 46, "second": 24}
